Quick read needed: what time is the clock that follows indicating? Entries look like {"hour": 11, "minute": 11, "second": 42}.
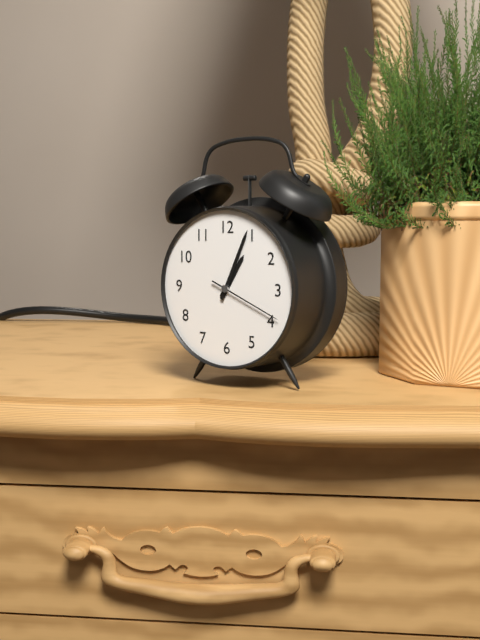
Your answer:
{"hour": 1, "minute": 4, "second": 19}
